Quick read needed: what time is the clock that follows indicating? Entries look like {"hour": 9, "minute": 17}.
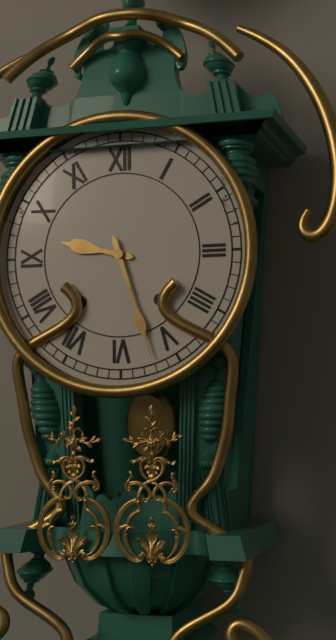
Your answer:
{"hour": 9, "minute": 27}
